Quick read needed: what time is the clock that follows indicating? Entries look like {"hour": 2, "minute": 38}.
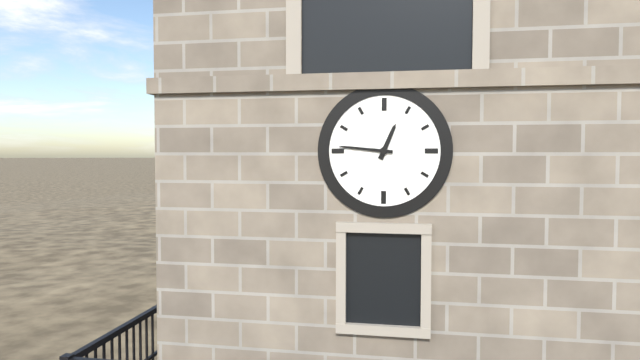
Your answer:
{"hour": 12, "minute": 46}
